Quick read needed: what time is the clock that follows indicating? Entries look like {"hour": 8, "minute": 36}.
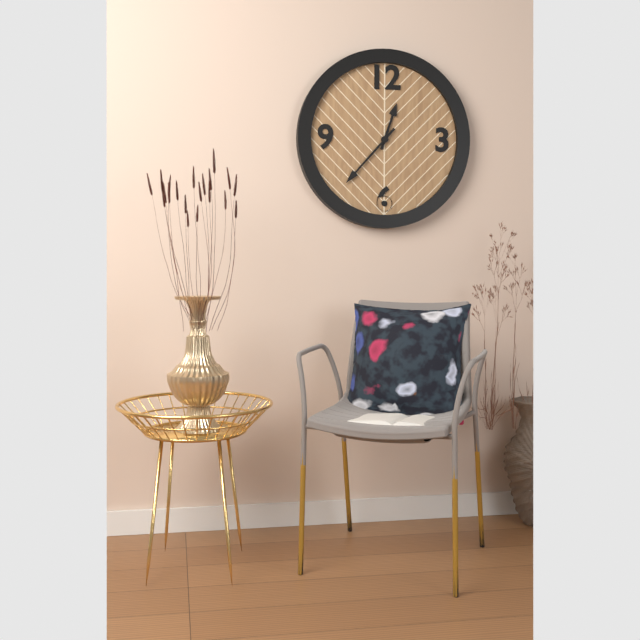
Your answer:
{"hour": 12, "minute": 37}
